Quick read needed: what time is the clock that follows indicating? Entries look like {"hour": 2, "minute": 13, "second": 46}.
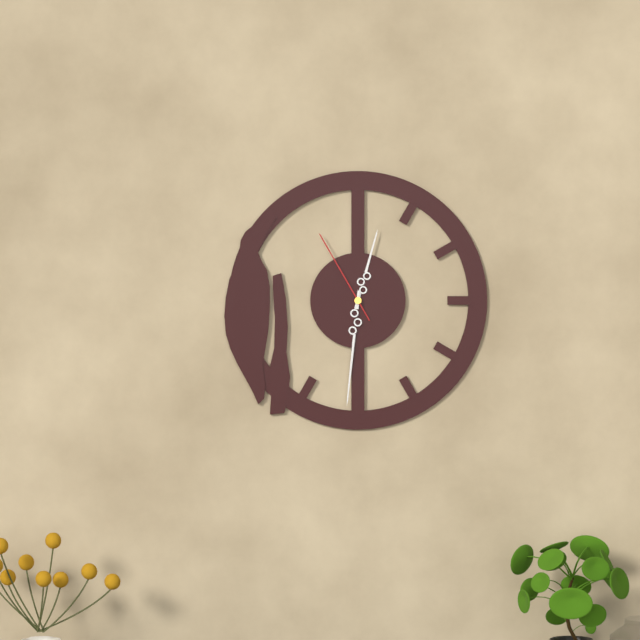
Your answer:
{"hour": 12, "minute": 31, "second": 55}
